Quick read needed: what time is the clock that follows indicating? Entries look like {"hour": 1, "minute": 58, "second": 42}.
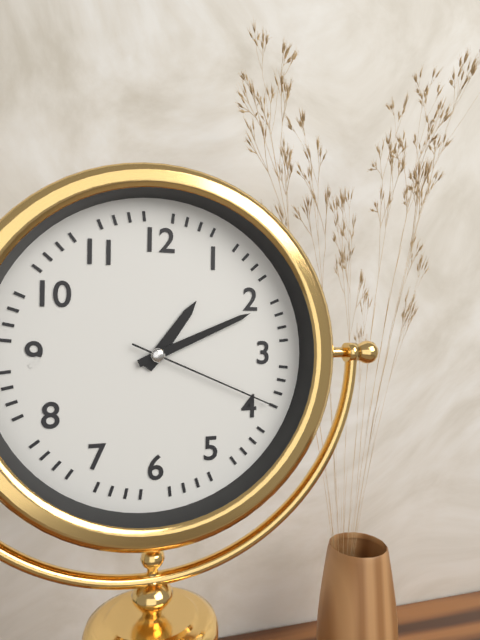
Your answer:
{"hour": 1, "minute": 11, "second": 19}
